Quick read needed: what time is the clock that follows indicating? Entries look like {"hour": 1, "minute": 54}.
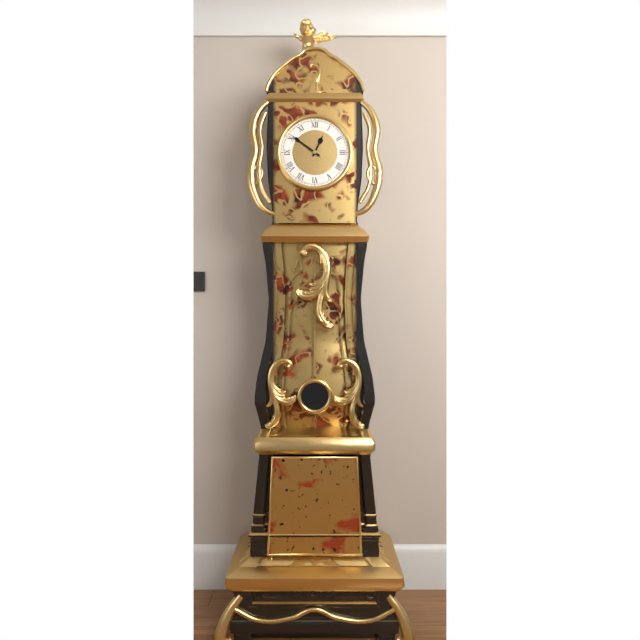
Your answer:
{"hour": 12, "minute": 51}
